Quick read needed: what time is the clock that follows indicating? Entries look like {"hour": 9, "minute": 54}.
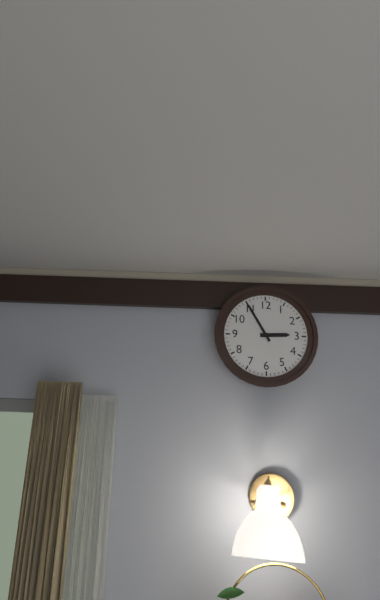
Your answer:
{"hour": 2, "minute": 55}
